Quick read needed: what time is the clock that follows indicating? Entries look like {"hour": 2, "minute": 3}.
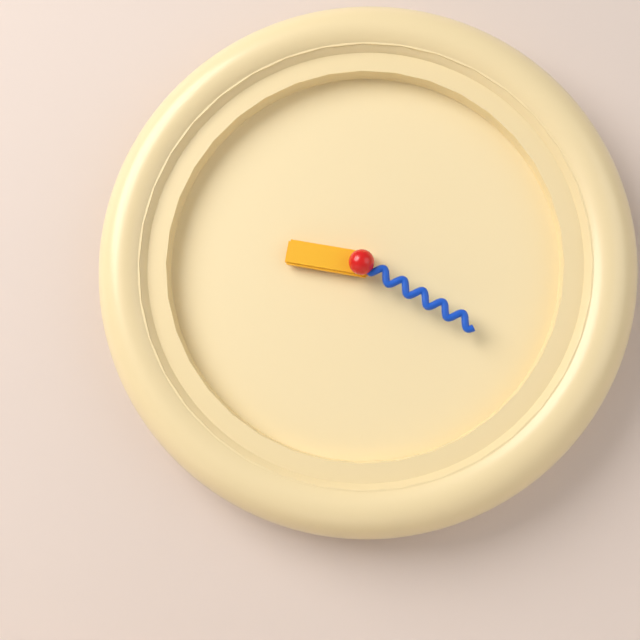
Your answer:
{"hour": 9, "minute": 20}
